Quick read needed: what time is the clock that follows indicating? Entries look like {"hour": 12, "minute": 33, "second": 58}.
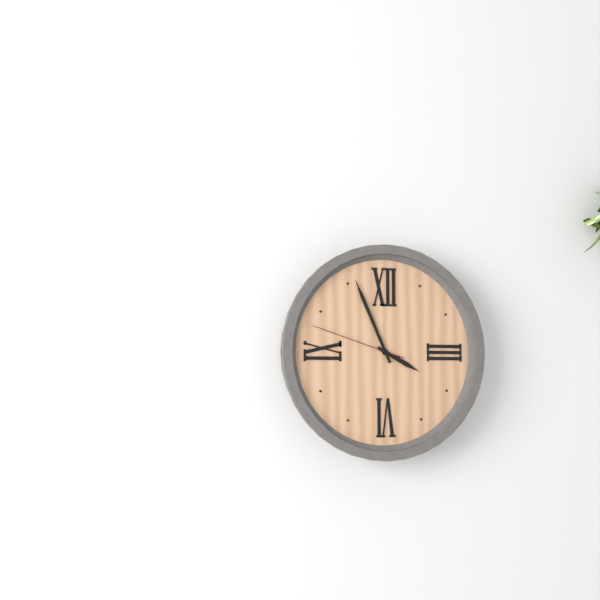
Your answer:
{"hour": 3, "minute": 56, "second": 48}
